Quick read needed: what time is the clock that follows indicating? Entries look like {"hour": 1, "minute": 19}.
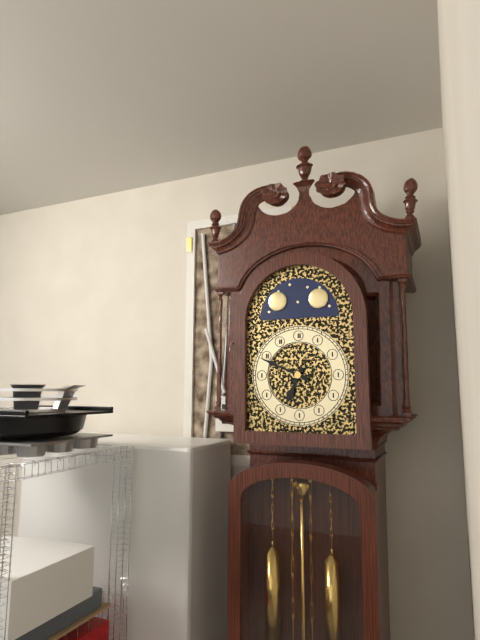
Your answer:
{"hour": 6, "minute": 49}
